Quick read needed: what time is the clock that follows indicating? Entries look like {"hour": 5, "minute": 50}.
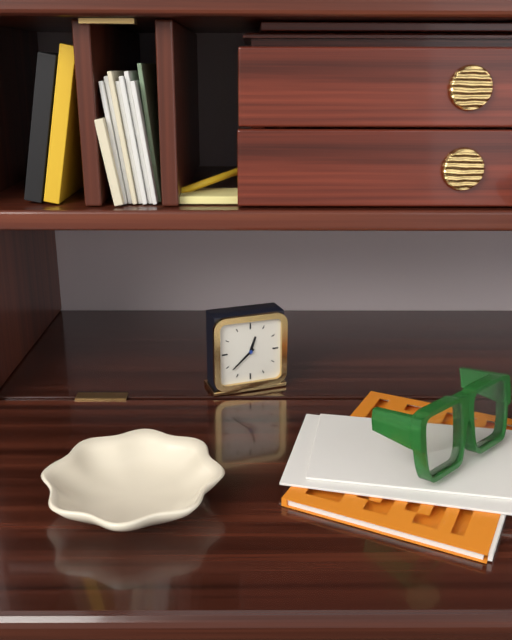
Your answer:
{"hour": 12, "minute": 38}
